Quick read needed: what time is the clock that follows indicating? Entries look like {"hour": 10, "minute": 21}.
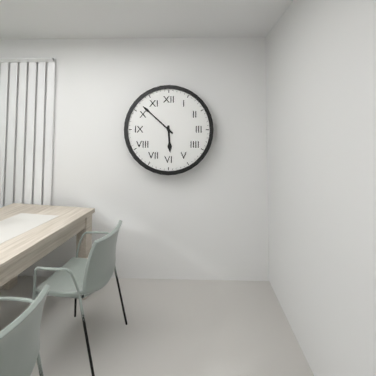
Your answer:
{"hour": 5, "minute": 52}
